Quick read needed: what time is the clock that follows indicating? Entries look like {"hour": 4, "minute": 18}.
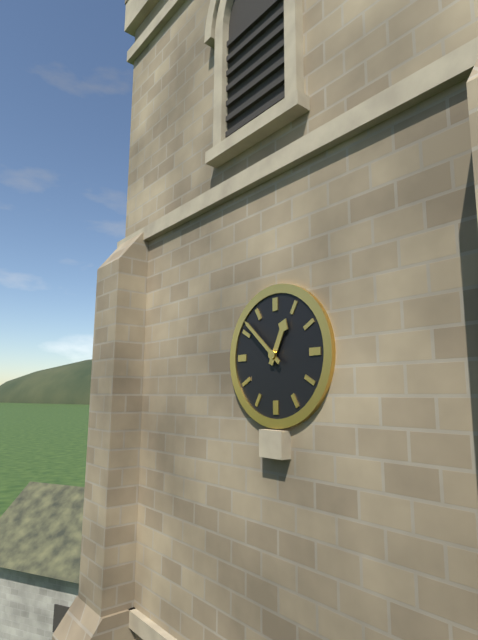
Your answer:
{"hour": 12, "minute": 52}
